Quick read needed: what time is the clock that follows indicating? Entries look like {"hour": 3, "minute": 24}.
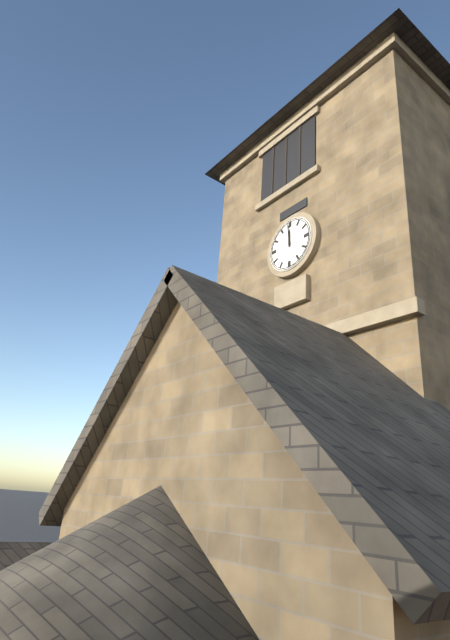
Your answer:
{"hour": 11, "minute": 59}
